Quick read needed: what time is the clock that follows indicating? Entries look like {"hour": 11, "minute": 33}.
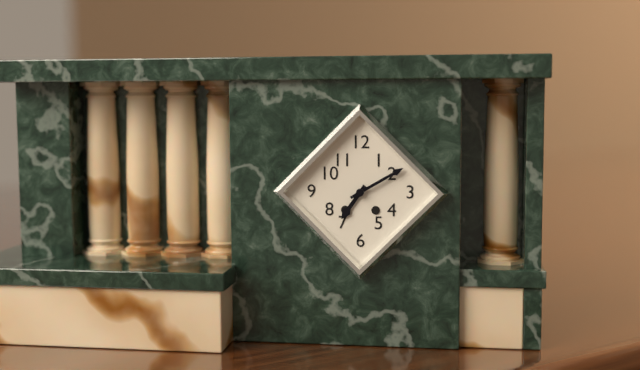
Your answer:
{"hour": 7, "minute": 10}
